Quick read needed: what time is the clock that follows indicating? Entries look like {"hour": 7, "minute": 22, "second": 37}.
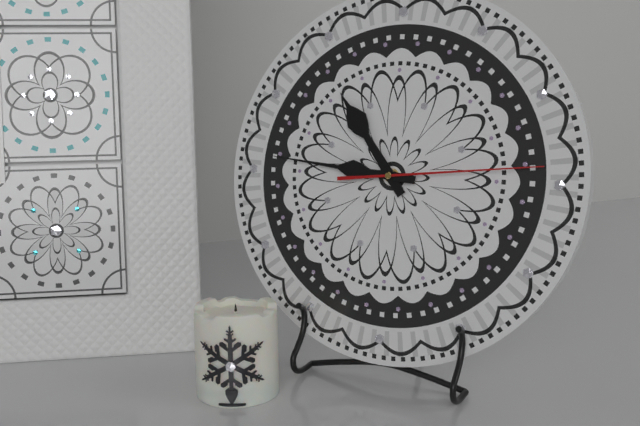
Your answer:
{"hour": 10, "minute": 46, "second": 14}
